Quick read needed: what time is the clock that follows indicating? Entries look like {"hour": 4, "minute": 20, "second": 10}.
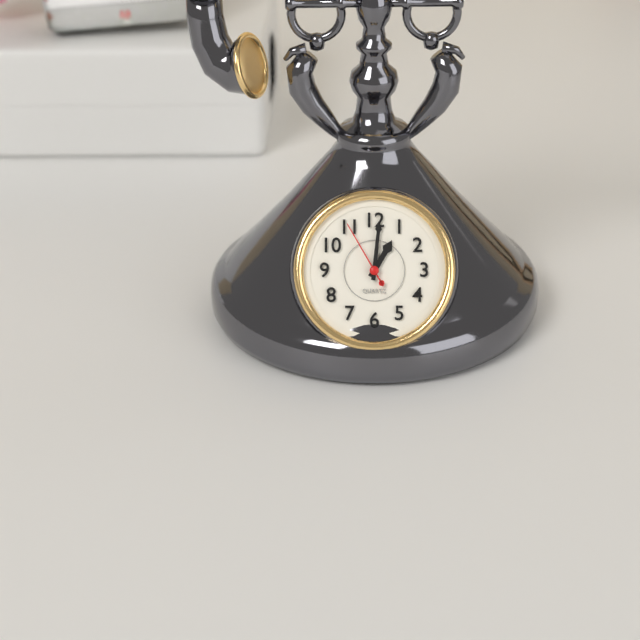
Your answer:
{"hour": 1, "minute": 1, "second": 55}
